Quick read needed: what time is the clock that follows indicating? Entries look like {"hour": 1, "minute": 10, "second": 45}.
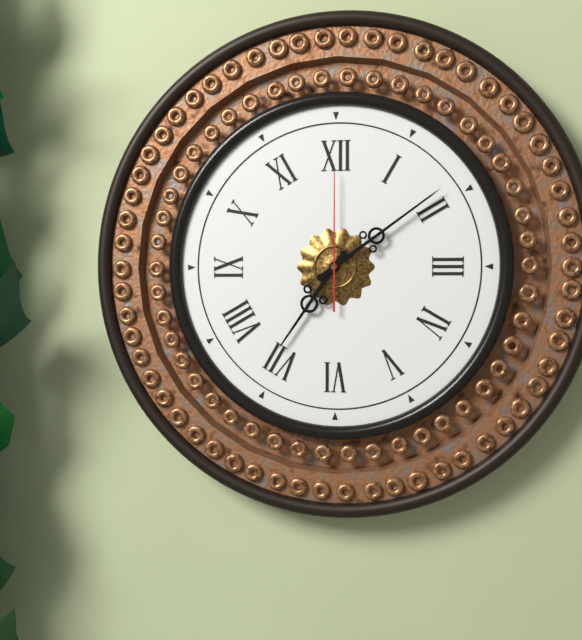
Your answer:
{"hour": 7, "minute": 9, "second": 0}
